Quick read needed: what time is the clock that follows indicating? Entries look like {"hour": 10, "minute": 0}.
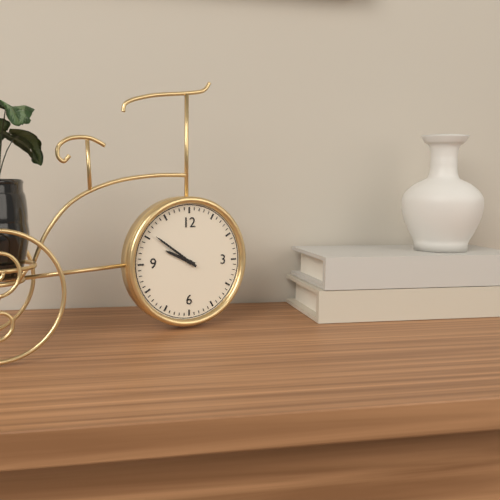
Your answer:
{"hour": 9, "minute": 51}
